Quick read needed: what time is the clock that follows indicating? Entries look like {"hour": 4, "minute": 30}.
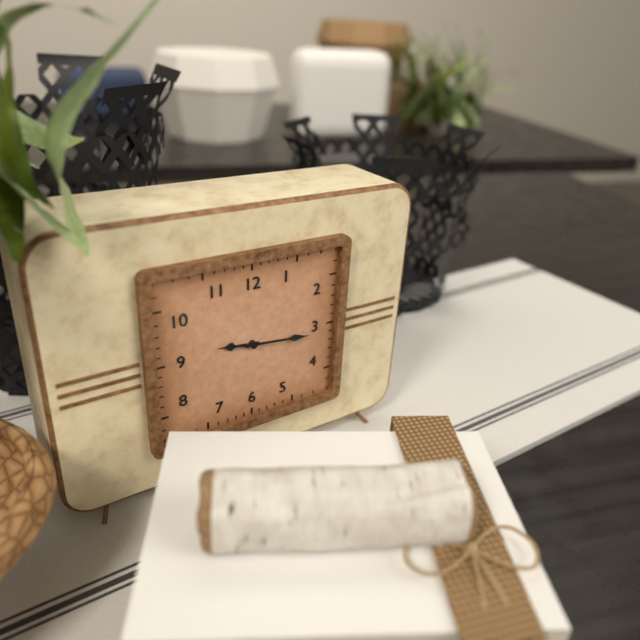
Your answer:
{"hour": 9, "minute": 16}
